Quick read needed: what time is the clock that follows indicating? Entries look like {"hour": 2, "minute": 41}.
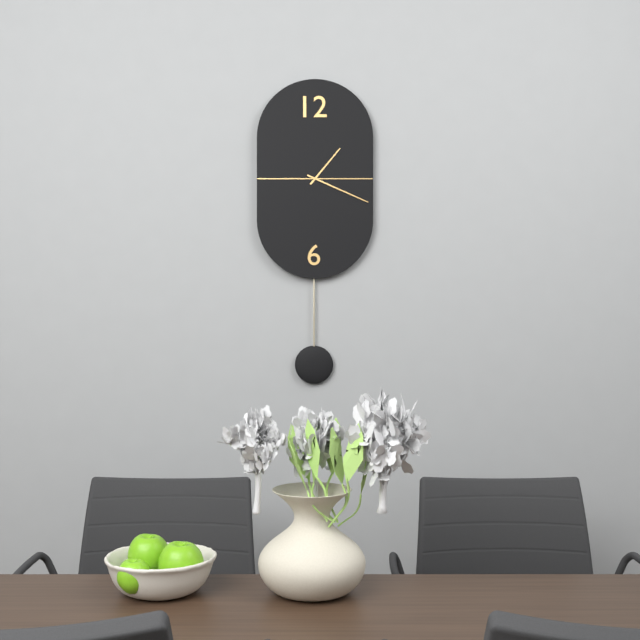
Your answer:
{"hour": 1, "minute": 19}
